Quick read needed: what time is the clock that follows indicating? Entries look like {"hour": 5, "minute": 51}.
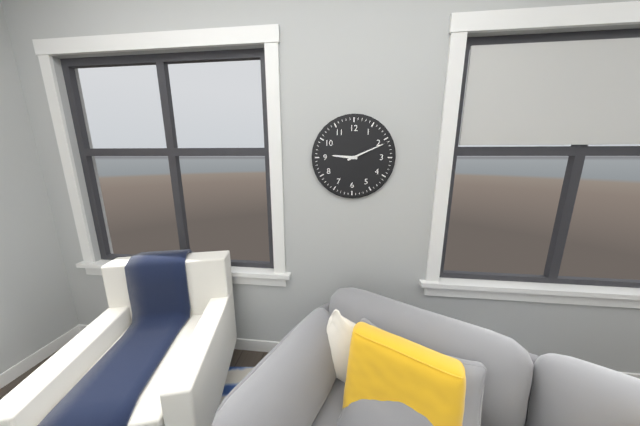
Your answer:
{"hour": 9, "minute": 11}
